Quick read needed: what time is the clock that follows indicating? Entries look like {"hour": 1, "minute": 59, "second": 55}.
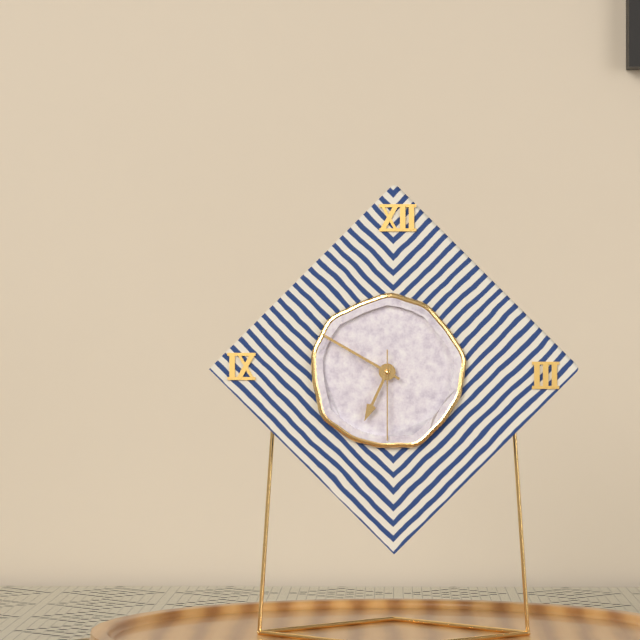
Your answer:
{"hour": 6, "minute": 50, "second": 30}
